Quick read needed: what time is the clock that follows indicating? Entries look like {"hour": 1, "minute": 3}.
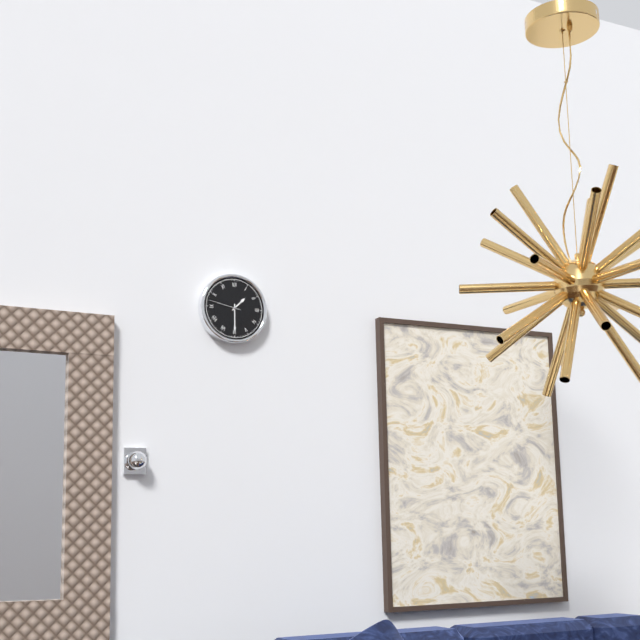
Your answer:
{"hour": 1, "minute": 30}
